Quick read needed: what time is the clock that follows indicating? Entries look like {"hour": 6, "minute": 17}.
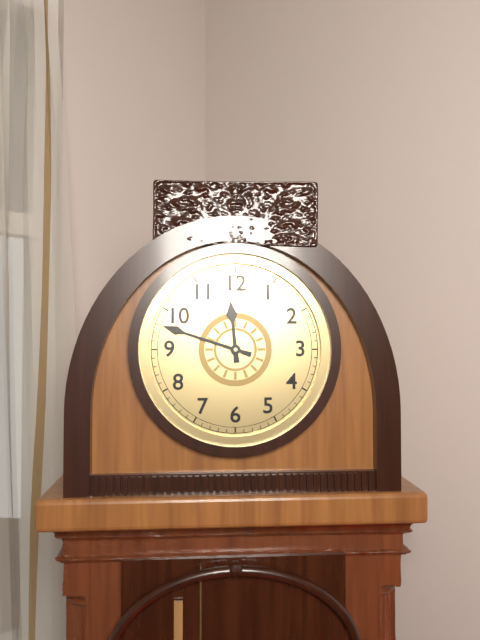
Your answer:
{"hour": 11, "minute": 48}
